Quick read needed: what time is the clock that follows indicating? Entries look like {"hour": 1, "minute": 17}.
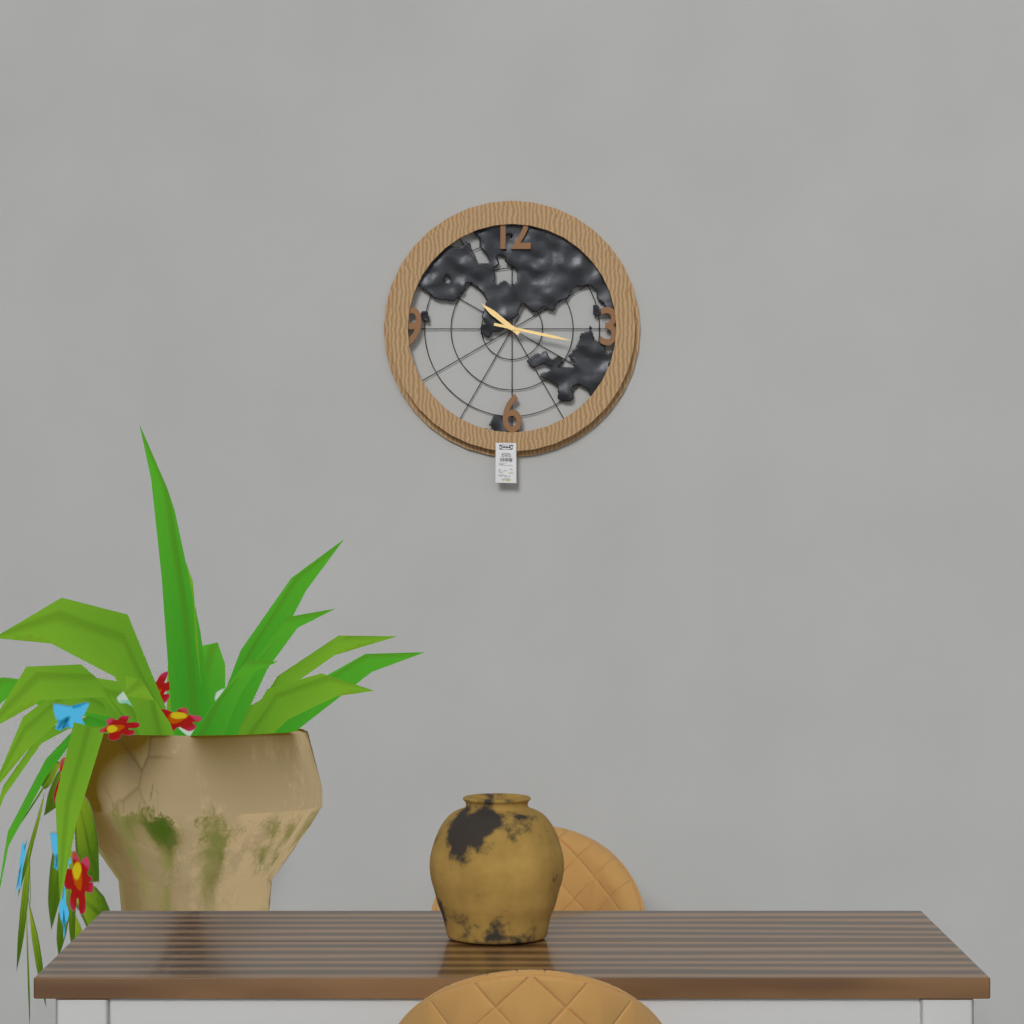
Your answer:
{"hour": 10, "minute": 17}
